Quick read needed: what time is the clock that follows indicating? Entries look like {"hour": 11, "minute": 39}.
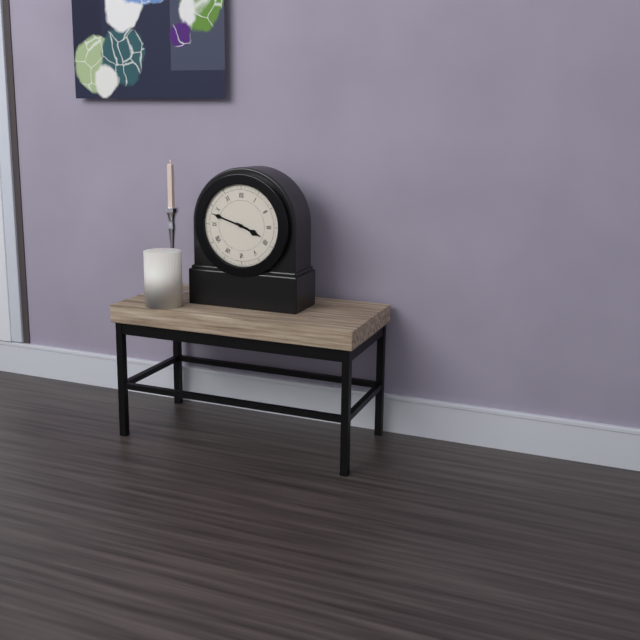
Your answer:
{"hour": 3, "minute": 48}
